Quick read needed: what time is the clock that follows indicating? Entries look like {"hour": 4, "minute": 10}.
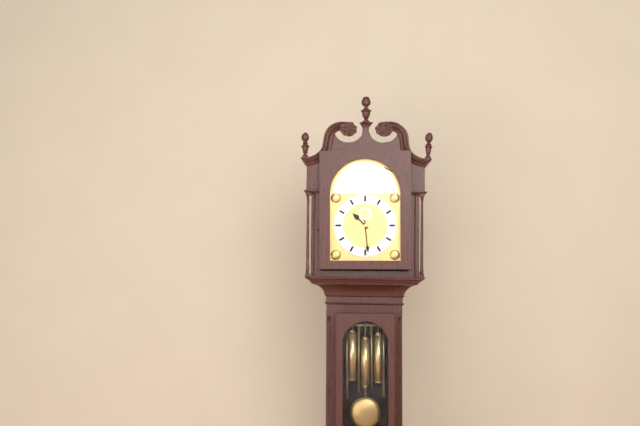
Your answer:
{"hour": 10, "minute": 29}
